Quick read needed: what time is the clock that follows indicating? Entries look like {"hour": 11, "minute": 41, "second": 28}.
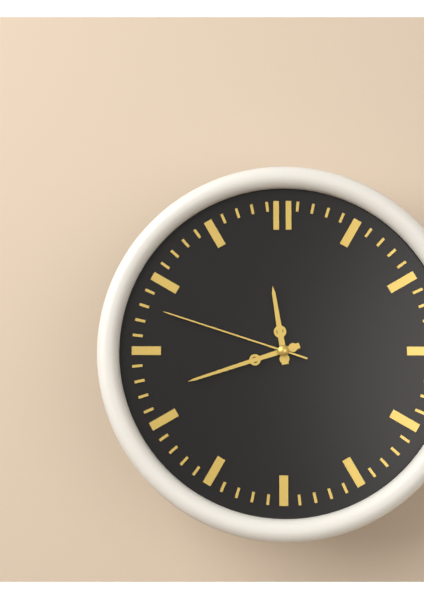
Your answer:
{"hour": 11, "minute": 42, "second": 48}
